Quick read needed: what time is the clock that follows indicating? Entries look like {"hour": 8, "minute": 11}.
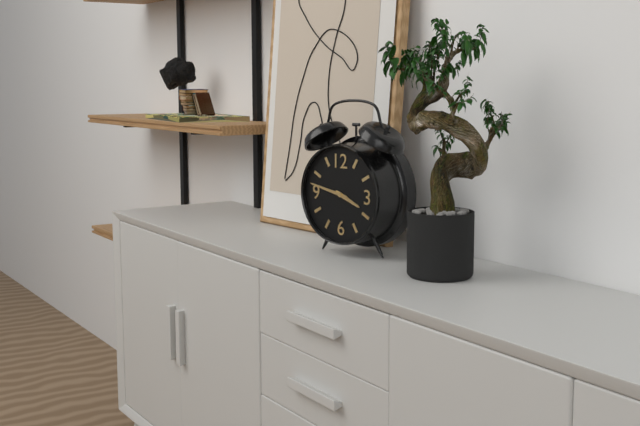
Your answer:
{"hour": 3, "minute": 47}
